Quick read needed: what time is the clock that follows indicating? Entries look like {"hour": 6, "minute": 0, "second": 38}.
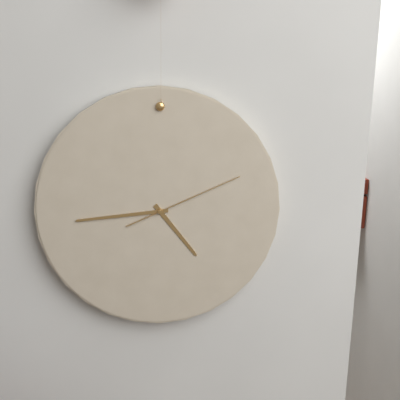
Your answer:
{"hour": 4, "minute": 44, "second": 11}
